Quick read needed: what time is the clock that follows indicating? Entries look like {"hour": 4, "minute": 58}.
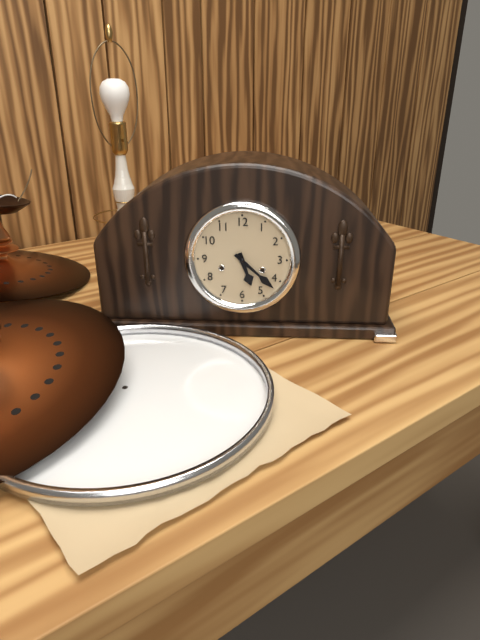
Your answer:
{"hour": 5, "minute": 22}
